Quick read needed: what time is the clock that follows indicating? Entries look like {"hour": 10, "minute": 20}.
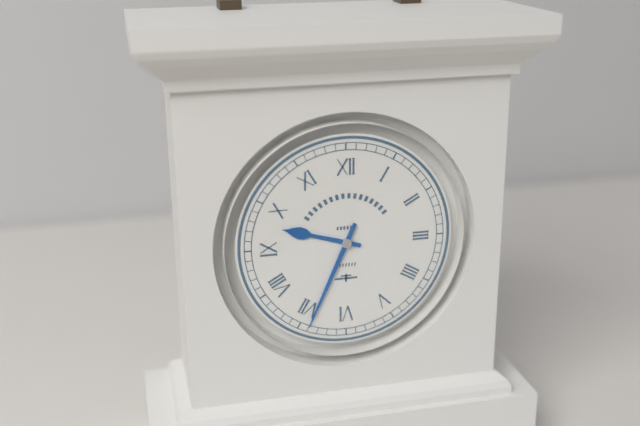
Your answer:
{"hour": 9, "minute": 34}
